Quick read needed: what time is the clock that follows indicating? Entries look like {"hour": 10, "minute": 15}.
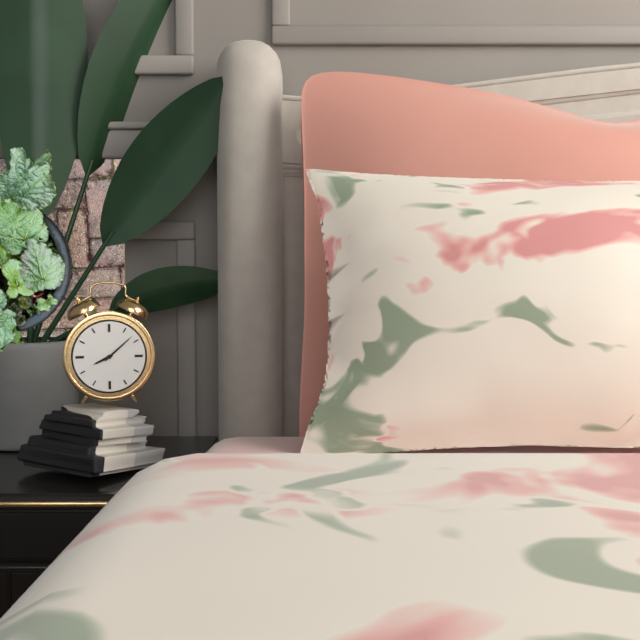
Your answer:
{"hour": 8, "minute": 8}
